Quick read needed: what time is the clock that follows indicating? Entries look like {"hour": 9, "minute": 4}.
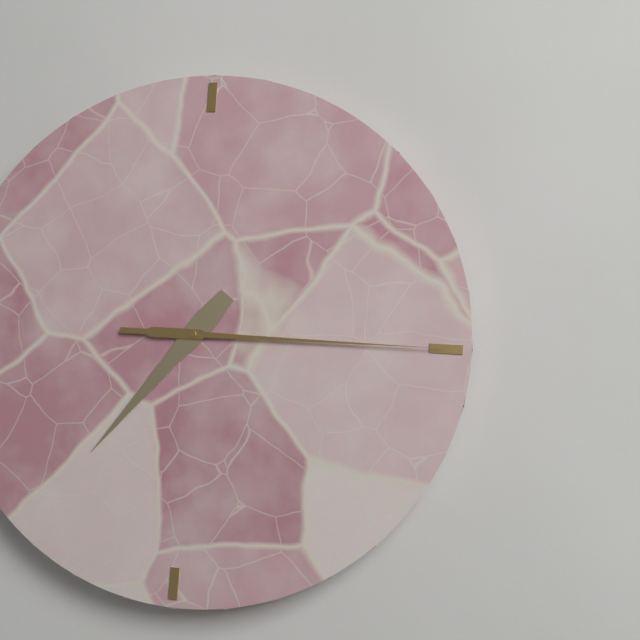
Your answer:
{"hour": 7, "minute": 15}
